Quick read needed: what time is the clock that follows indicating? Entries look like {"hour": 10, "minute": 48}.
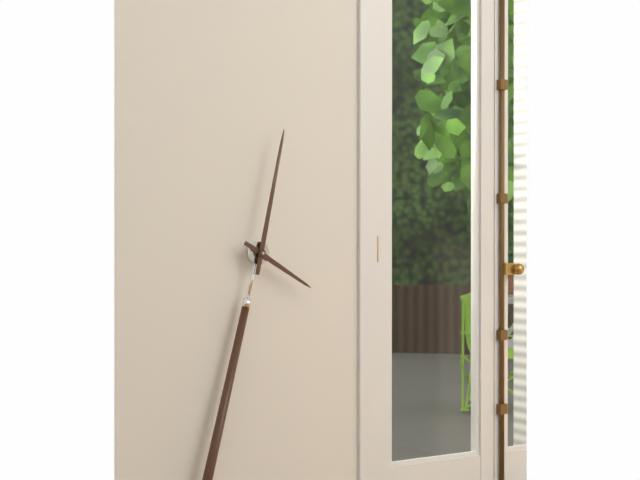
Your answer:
{"hour": 4, "minute": 2}
